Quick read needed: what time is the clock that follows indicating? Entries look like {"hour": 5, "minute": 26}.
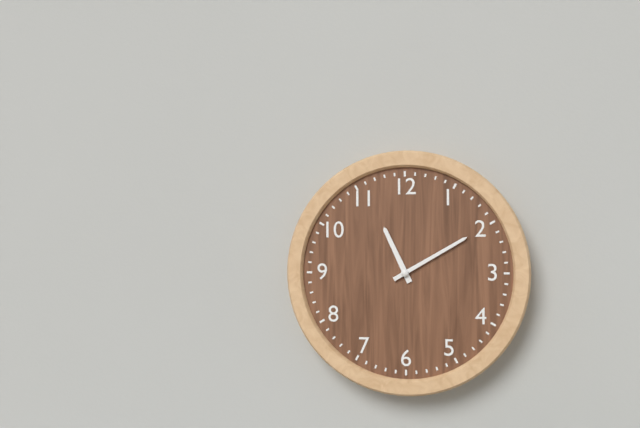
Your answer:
{"hour": 11, "minute": 10}
